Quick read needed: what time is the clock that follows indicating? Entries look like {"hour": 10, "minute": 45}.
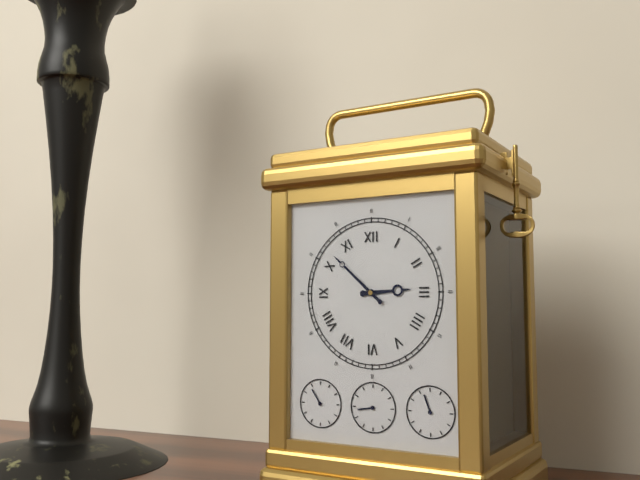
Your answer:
{"hour": 2, "minute": 52}
